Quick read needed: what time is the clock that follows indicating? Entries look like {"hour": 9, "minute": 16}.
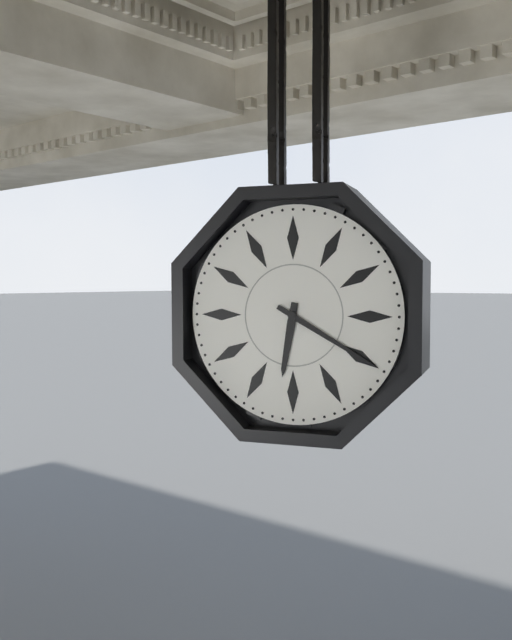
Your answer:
{"hour": 6, "minute": 20}
